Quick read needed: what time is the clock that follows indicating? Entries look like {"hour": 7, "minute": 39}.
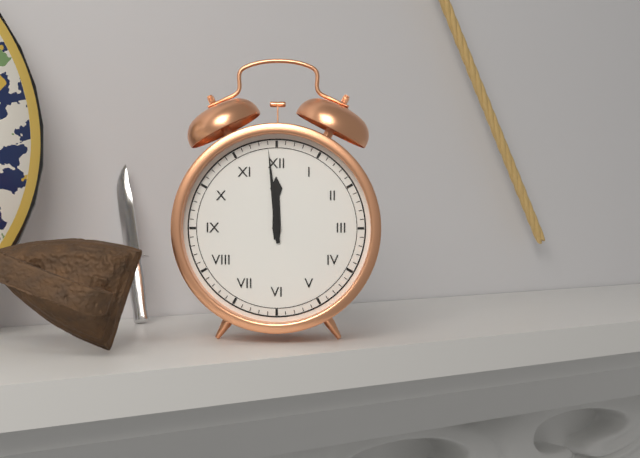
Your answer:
{"hour": 11, "minute": 59}
